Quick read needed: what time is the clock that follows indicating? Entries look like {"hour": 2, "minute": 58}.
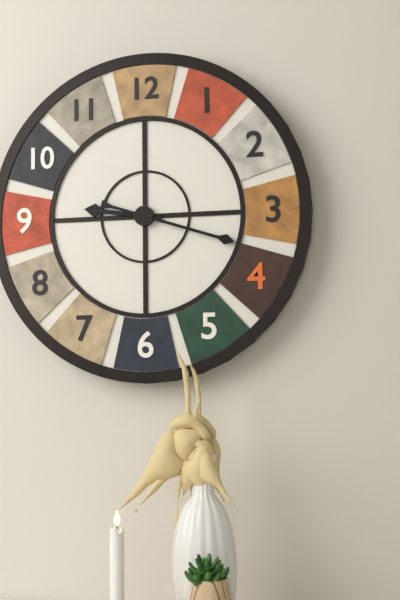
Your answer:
{"hour": 9, "minute": 18}
